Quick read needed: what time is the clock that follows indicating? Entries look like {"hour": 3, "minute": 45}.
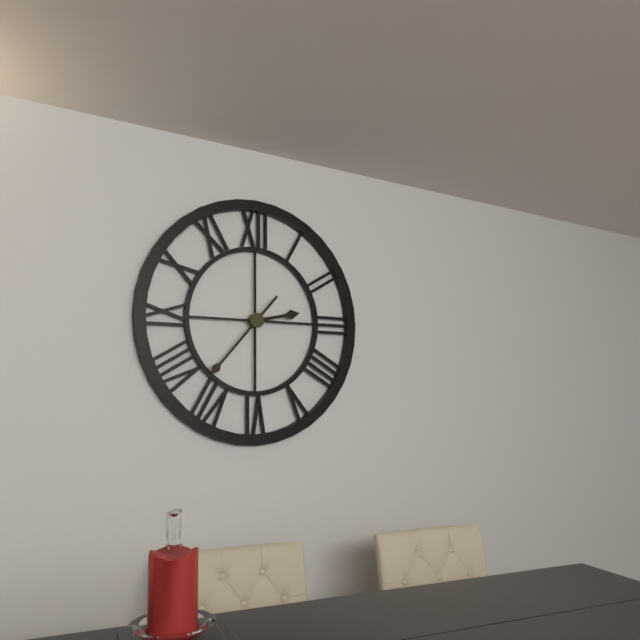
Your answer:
{"hour": 2, "minute": 37}
